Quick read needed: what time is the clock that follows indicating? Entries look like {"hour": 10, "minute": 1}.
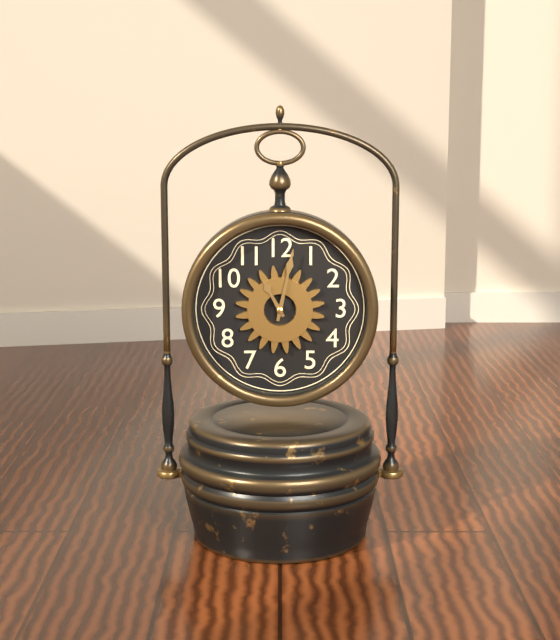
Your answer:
{"hour": 11, "minute": 2}
